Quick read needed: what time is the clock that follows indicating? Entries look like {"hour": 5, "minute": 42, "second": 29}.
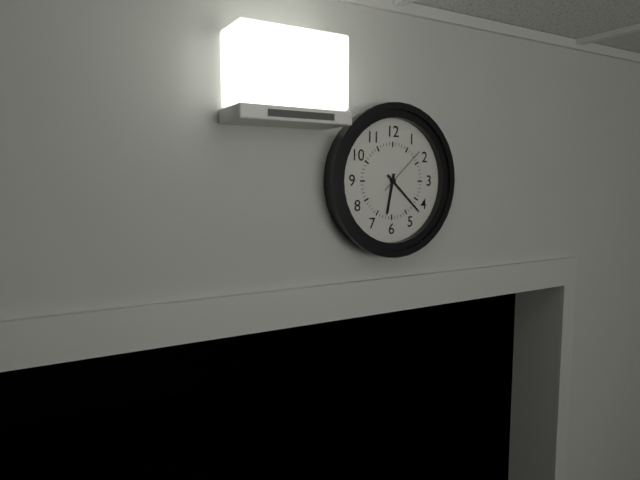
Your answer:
{"hour": 6, "minute": 22, "second": 8}
